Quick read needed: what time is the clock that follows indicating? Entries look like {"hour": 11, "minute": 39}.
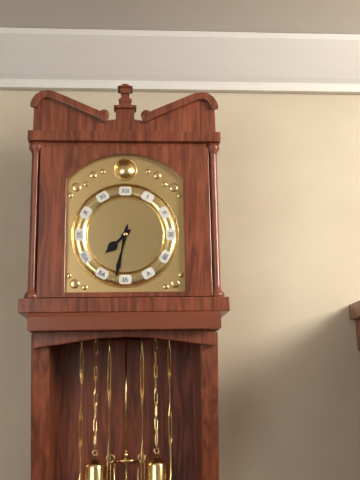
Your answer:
{"hour": 7, "minute": 32}
